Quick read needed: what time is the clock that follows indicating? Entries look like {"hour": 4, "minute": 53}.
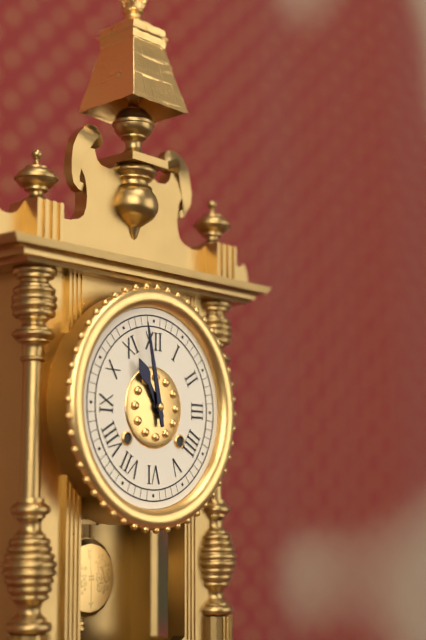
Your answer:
{"hour": 10, "minute": 58}
